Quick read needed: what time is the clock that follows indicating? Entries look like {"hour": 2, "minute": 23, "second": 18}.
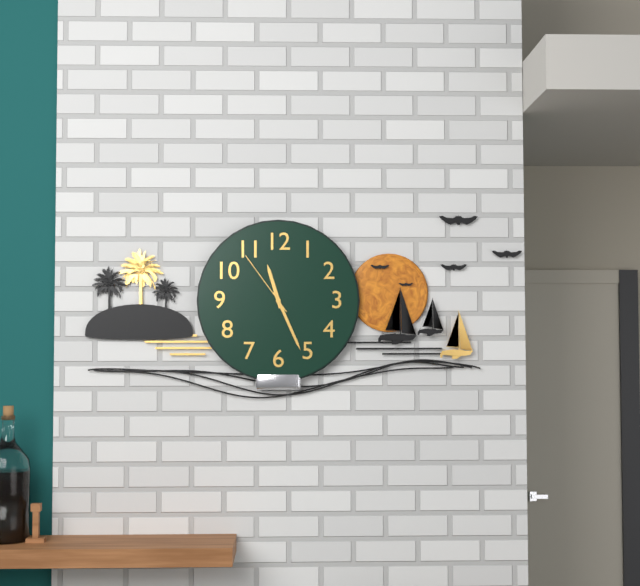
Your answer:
{"hour": 11, "minute": 26, "second": 54}
